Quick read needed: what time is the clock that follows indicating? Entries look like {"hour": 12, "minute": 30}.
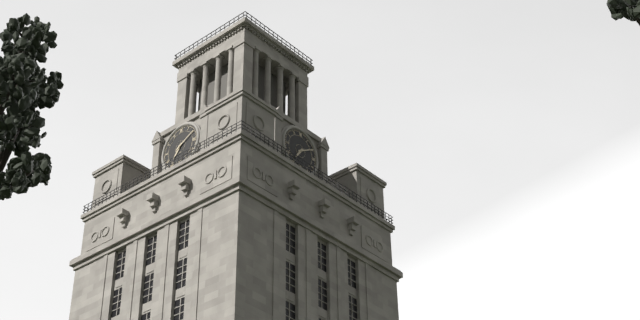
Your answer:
{"hour": 7, "minute": 10}
